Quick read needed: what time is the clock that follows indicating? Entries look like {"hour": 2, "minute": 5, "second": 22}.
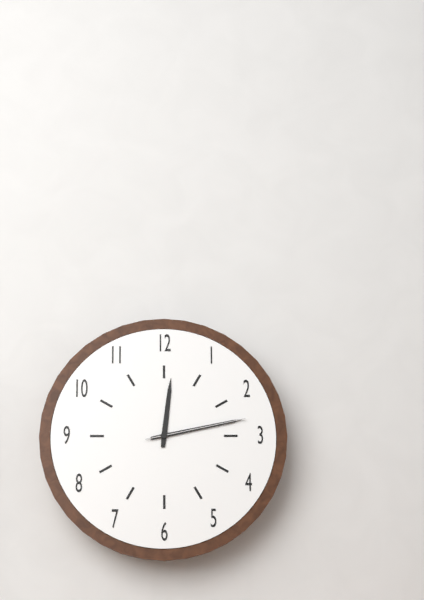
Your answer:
{"hour": 12, "minute": 13, "second": 13}
